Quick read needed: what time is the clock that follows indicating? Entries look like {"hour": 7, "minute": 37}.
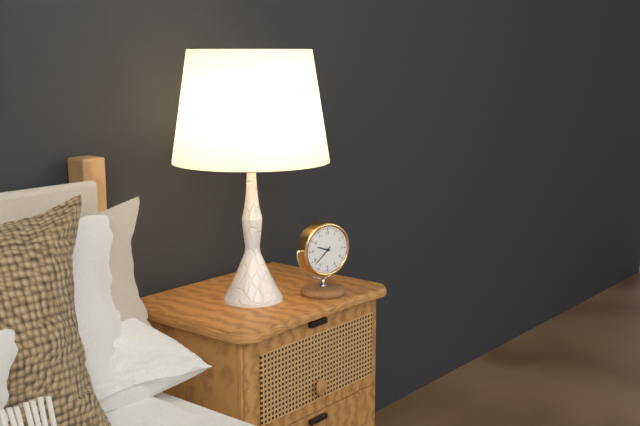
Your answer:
{"hour": 9, "minute": 38}
